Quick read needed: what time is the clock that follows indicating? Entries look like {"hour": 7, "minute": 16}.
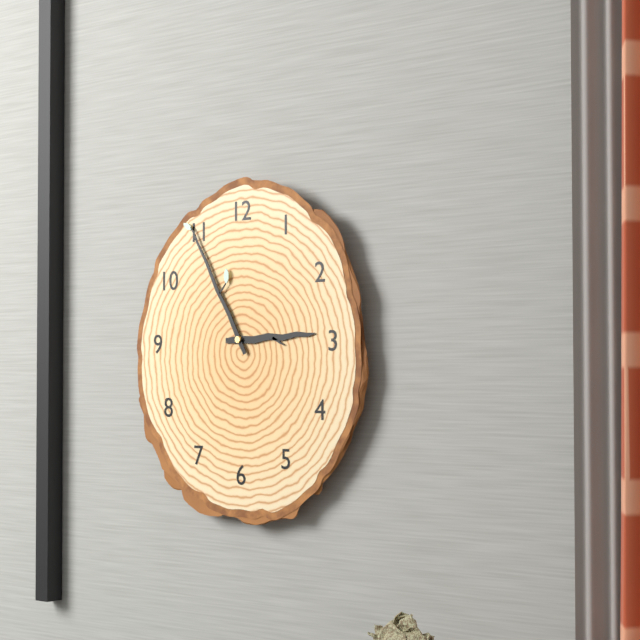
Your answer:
{"hour": 2, "minute": 55}
